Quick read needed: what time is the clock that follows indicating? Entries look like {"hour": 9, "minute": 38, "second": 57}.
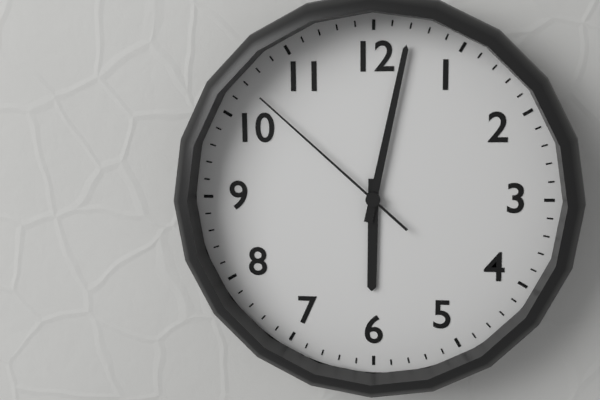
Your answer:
{"hour": 6, "minute": 2, "second": 52}
